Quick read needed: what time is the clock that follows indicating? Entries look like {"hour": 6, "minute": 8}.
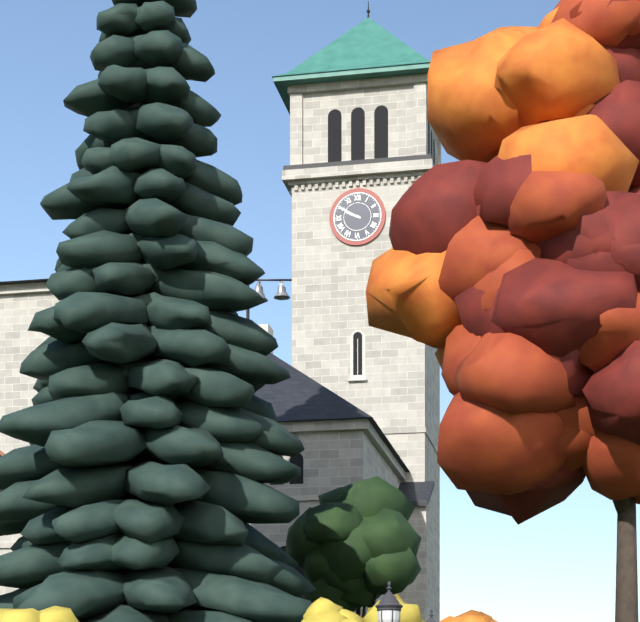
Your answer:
{"hour": 9, "minute": 50}
